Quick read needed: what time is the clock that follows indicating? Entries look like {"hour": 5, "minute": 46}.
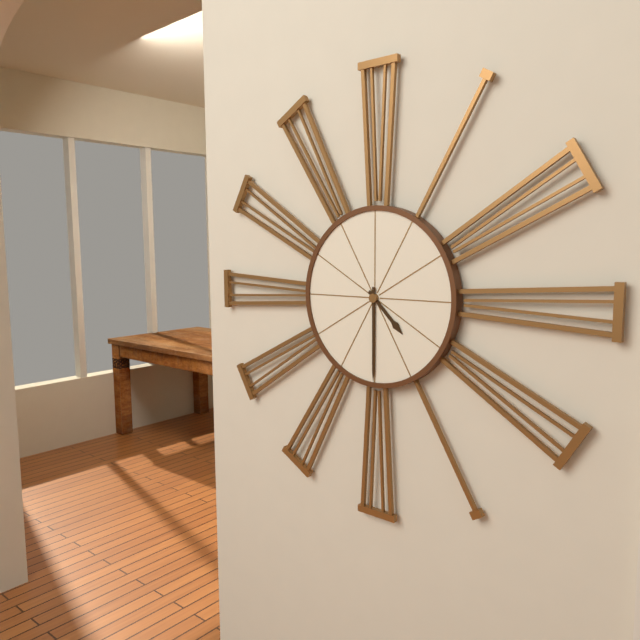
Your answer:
{"hour": 4, "minute": 30}
